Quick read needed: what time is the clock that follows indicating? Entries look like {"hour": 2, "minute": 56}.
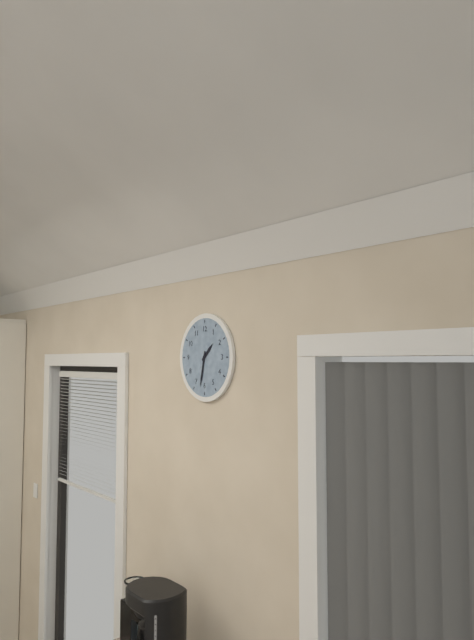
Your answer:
{"hour": 1, "minute": 32}
